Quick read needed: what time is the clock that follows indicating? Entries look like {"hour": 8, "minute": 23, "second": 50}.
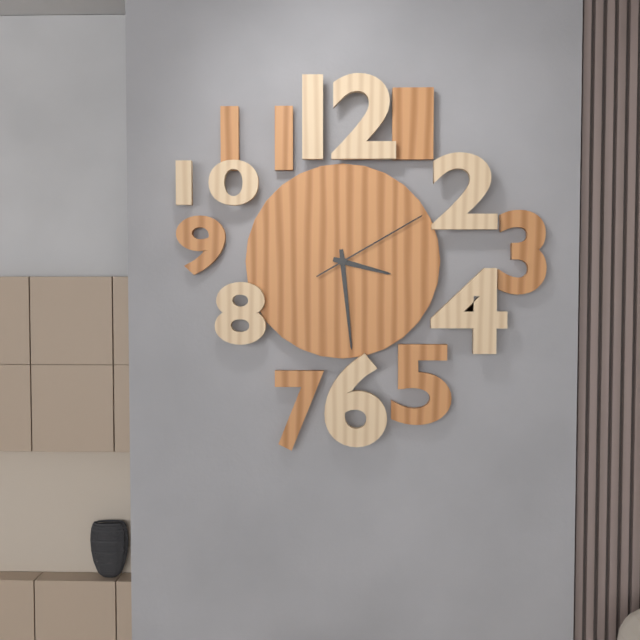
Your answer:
{"hour": 3, "minute": 29, "second": 10}
